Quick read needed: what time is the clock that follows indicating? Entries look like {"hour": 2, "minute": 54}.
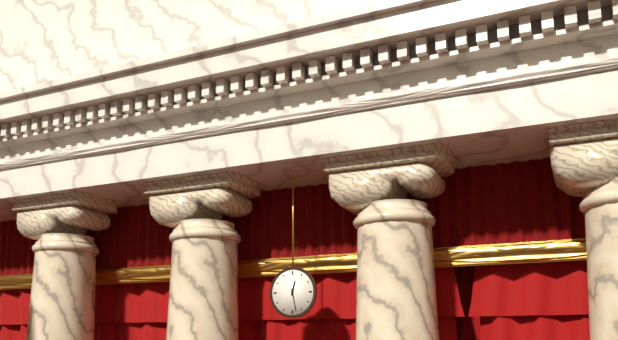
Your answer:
{"hour": 12, "minute": 28}
